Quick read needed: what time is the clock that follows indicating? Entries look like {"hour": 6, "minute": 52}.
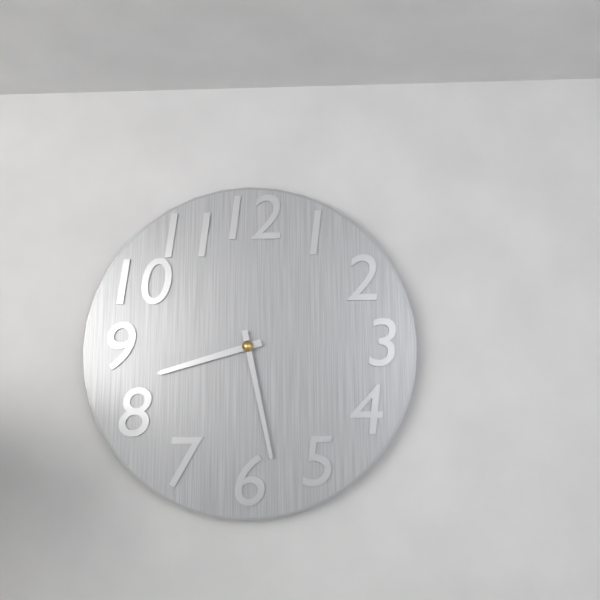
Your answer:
{"hour": 8, "minute": 28}
